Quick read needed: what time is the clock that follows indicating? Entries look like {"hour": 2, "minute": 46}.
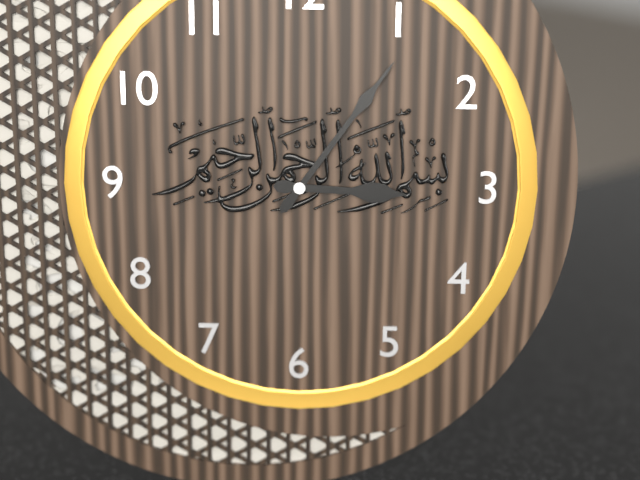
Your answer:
{"hour": 3, "minute": 6}
